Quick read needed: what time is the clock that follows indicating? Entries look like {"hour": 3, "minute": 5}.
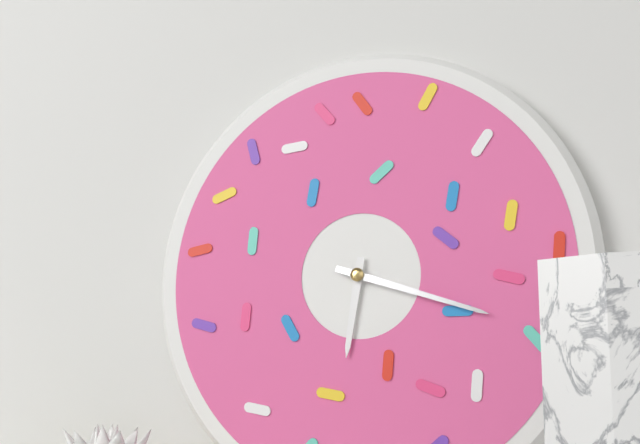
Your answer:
{"hour": 6, "minute": 18}
